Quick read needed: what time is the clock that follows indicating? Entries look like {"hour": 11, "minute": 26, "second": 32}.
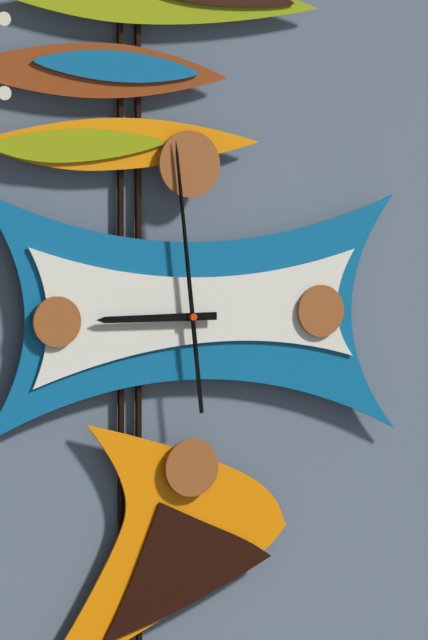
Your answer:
{"hour": 8, "minute": 59, "second": 59}
